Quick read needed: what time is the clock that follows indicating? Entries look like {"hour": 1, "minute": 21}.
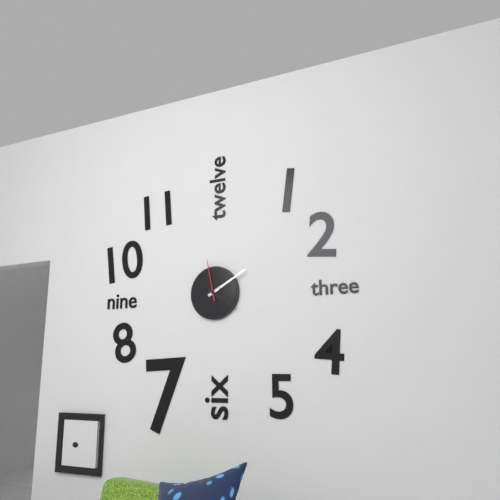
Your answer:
{"hour": 4, "minute": 10}
